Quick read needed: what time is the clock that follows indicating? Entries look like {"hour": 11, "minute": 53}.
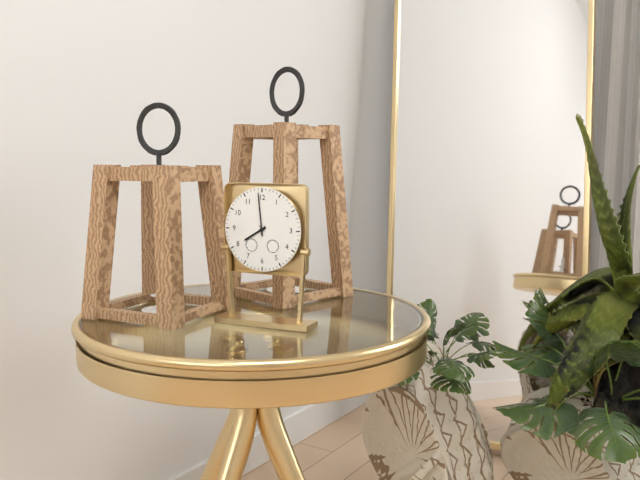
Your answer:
{"hour": 7, "minute": 59}
